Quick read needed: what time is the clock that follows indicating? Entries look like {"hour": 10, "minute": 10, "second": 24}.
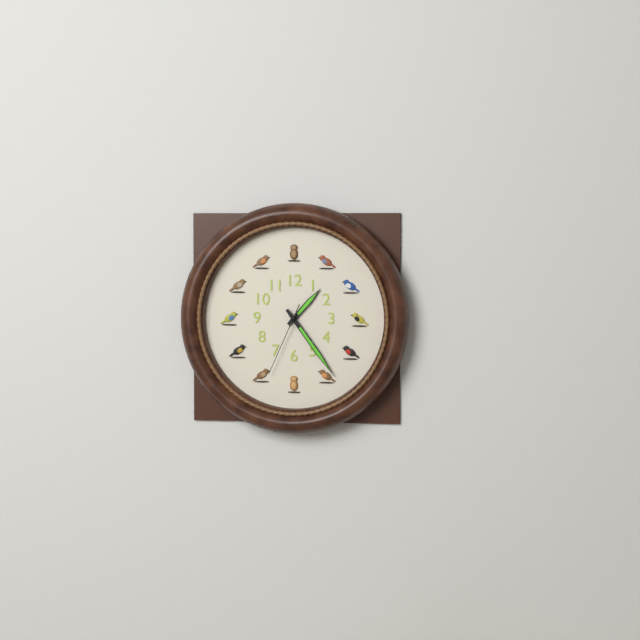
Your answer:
{"hour": 1, "minute": 24, "second": 34}
